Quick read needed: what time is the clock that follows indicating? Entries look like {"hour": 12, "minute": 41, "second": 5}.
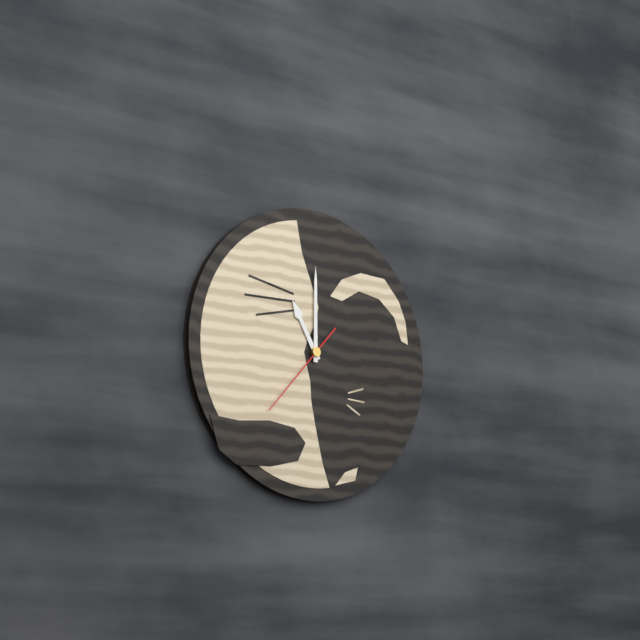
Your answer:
{"hour": 11, "minute": 0, "second": 37}
